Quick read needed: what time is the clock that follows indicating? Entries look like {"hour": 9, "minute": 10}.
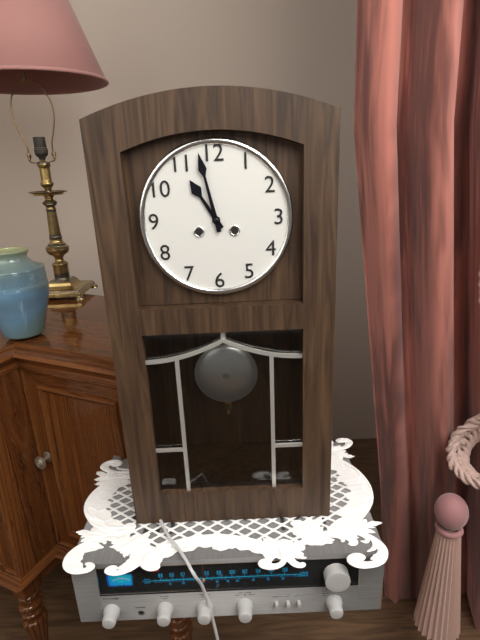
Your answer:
{"hour": 10, "minute": 58}
